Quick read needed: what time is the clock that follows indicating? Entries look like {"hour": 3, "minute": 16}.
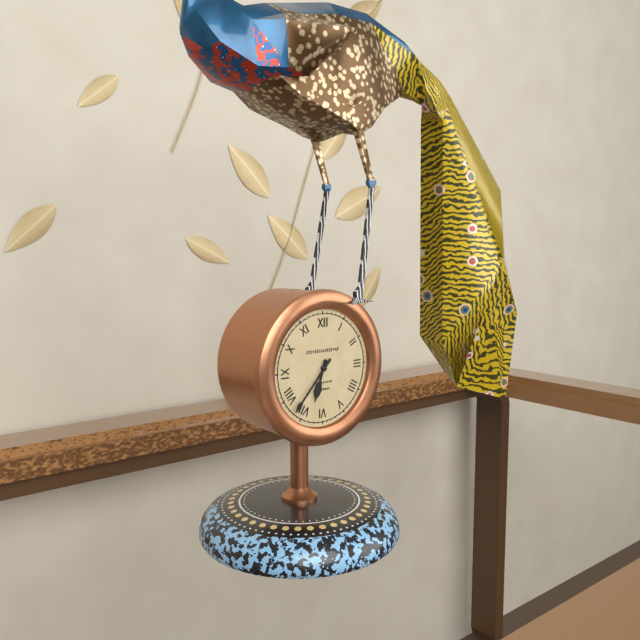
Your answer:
{"hour": 6, "minute": 37}
